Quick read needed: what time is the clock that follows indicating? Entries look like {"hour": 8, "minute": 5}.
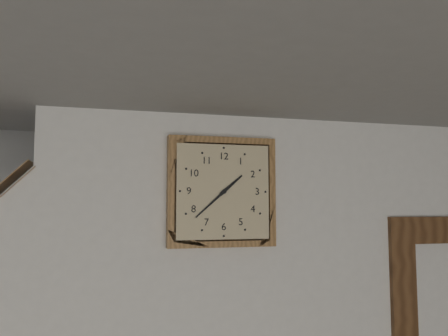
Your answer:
{"hour": 1, "minute": 38}
